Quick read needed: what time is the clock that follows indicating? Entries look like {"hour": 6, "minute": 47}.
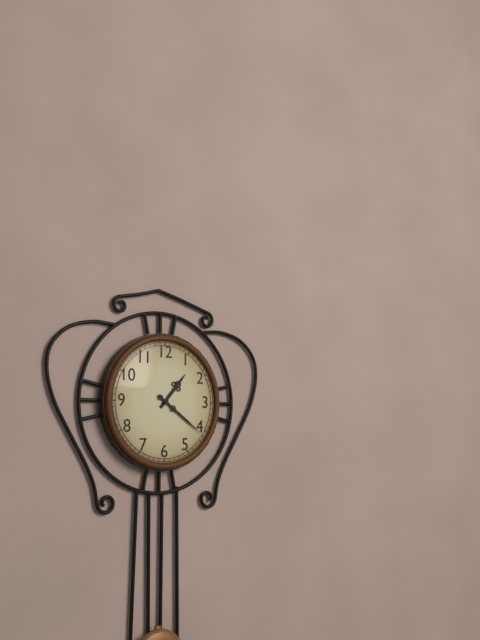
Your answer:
{"hour": 1, "minute": 21}
